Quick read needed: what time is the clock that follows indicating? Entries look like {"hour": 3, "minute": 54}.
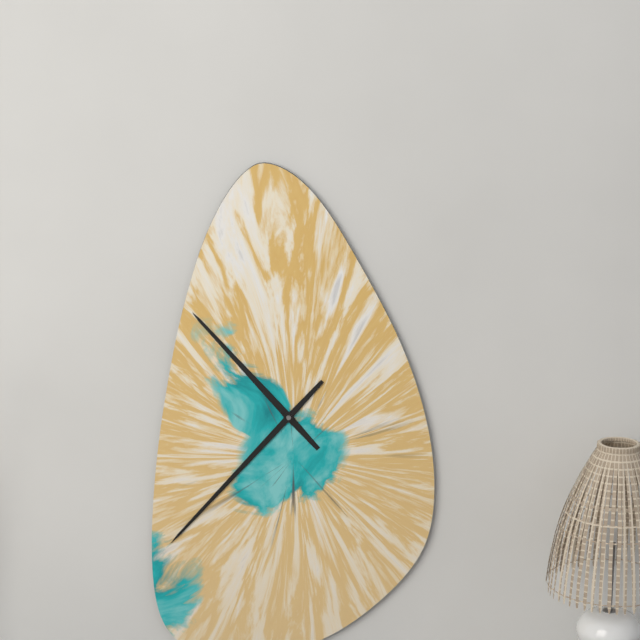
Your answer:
{"hour": 10, "minute": 37}
